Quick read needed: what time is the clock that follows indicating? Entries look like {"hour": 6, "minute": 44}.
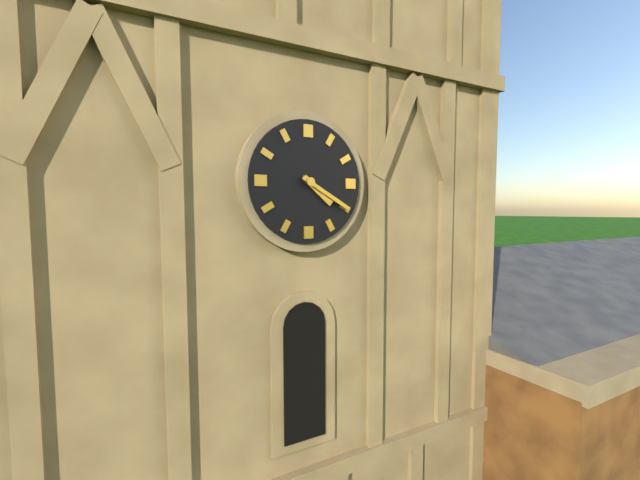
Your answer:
{"hour": 4, "minute": 20}
